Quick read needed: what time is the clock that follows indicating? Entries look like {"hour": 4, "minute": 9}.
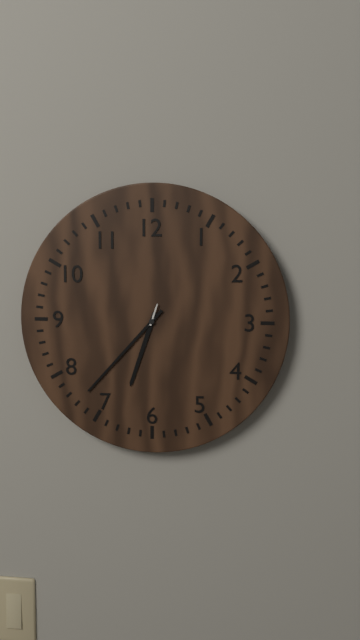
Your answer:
{"hour": 6, "minute": 37}
